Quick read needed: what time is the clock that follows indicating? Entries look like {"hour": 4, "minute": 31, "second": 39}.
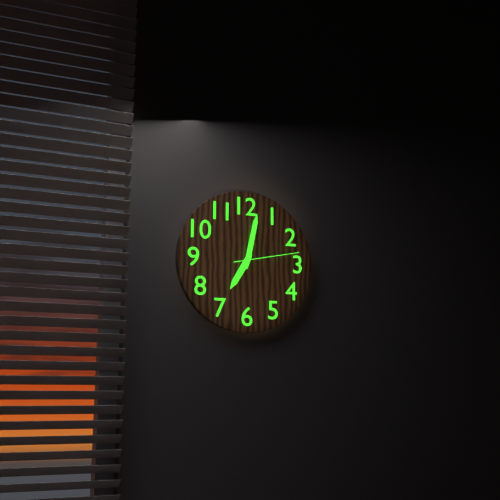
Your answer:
{"hour": 7, "minute": 2, "second": 13}
